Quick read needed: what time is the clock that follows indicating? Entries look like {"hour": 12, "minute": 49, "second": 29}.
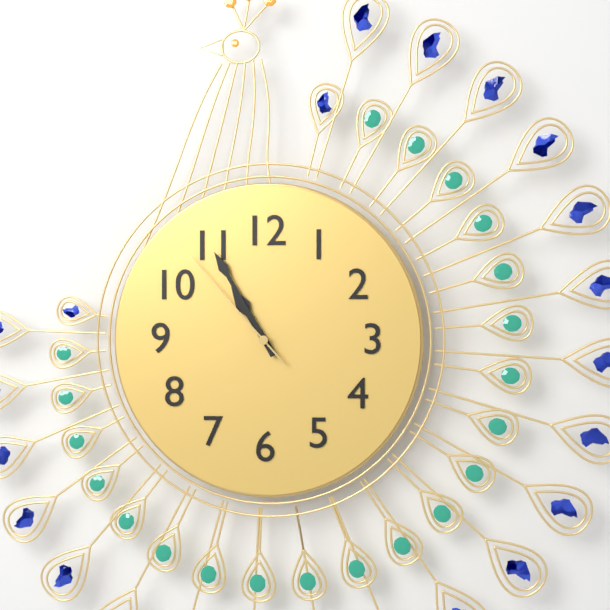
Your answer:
{"hour": 10, "minute": 55, "second": 53}
